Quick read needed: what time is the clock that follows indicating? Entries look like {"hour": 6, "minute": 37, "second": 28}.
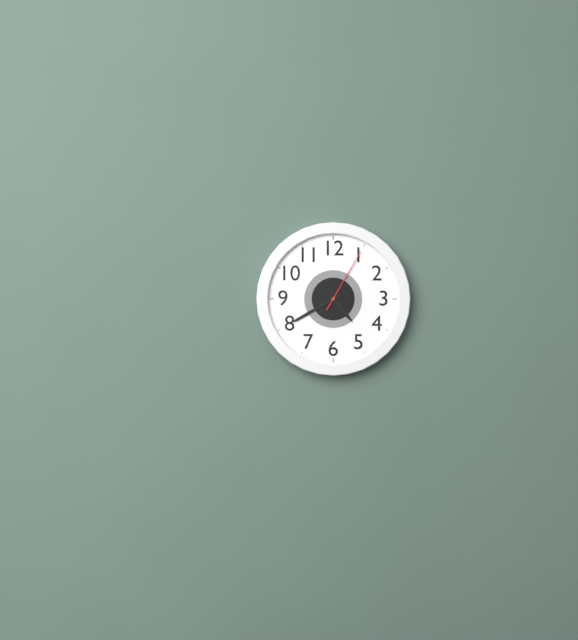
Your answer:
{"hour": 4, "minute": 40, "second": 5}
